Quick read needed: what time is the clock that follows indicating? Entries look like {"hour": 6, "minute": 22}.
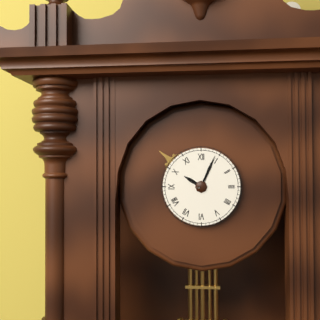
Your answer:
{"hour": 10, "minute": 4}
